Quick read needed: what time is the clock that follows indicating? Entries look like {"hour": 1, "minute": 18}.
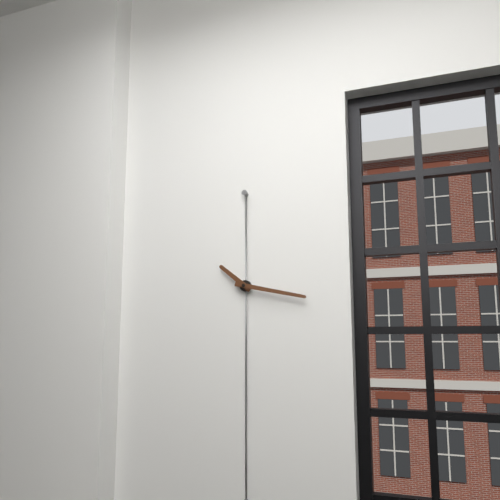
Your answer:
{"hour": 10, "minute": 17}
